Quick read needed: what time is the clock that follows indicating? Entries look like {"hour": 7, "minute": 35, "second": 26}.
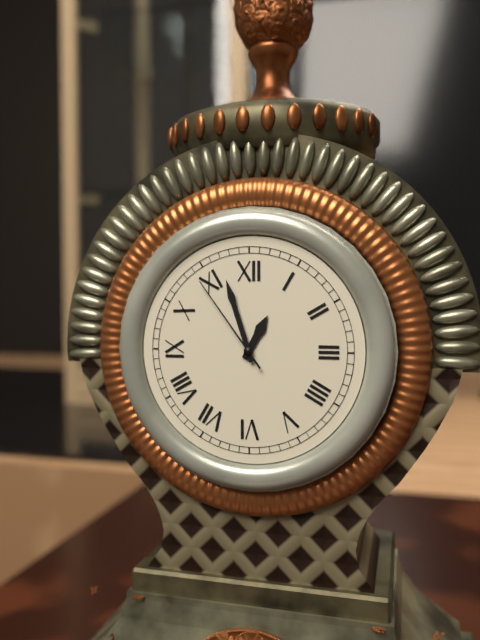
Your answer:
{"hour": 12, "minute": 57, "second": 54}
